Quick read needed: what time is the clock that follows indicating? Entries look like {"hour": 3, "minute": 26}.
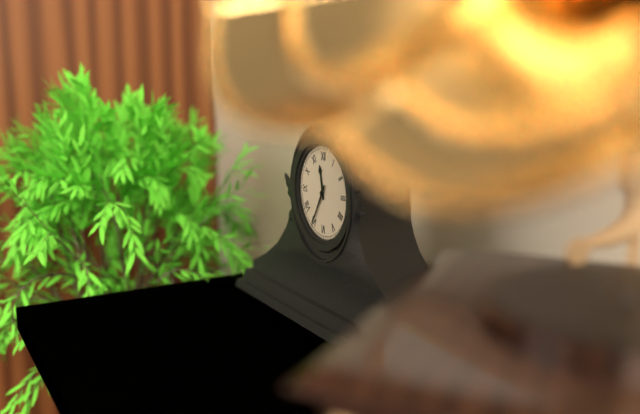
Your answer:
{"hour": 11, "minute": 35}
